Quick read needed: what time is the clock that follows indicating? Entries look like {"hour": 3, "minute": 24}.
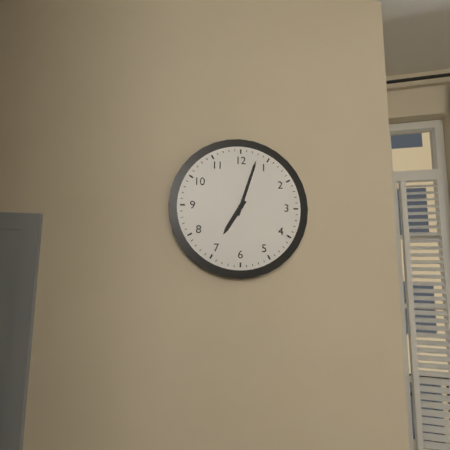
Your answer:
{"hour": 7, "minute": 3}
